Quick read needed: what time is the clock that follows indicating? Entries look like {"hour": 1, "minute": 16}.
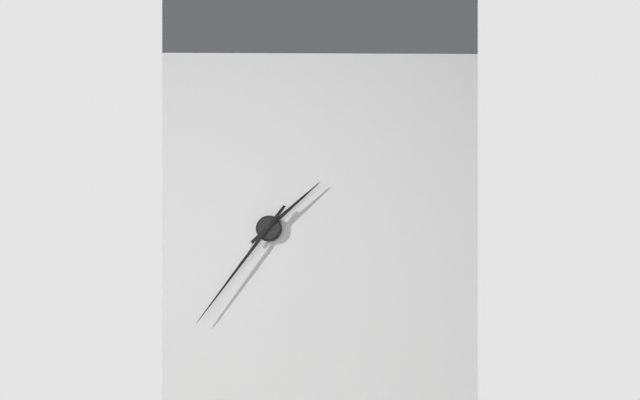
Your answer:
{"hour": 1, "minute": 36}
